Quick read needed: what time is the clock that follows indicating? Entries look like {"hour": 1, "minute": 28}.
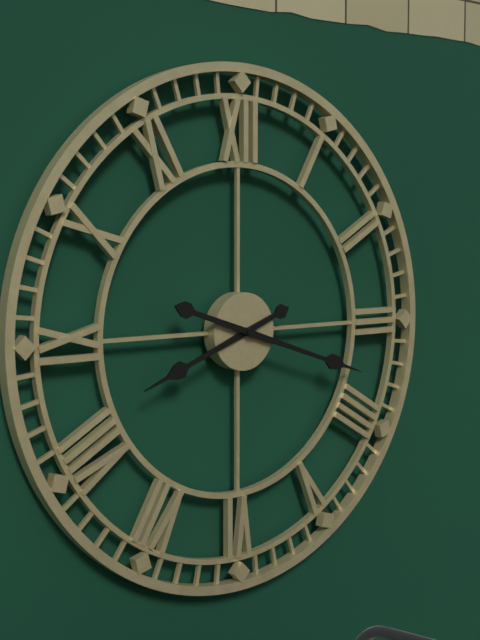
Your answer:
{"hour": 8, "minute": 18}
